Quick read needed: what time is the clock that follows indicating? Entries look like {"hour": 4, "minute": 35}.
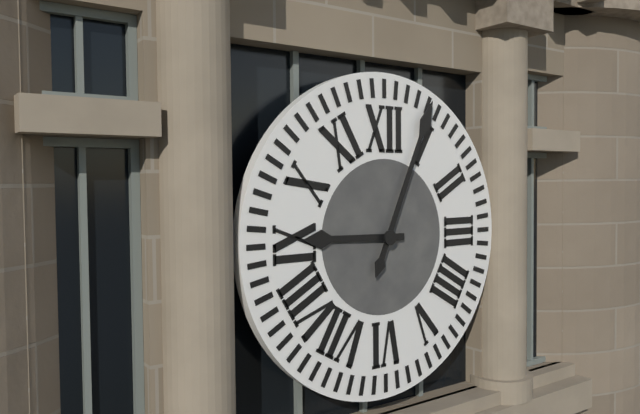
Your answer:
{"hour": 9, "minute": 4}
